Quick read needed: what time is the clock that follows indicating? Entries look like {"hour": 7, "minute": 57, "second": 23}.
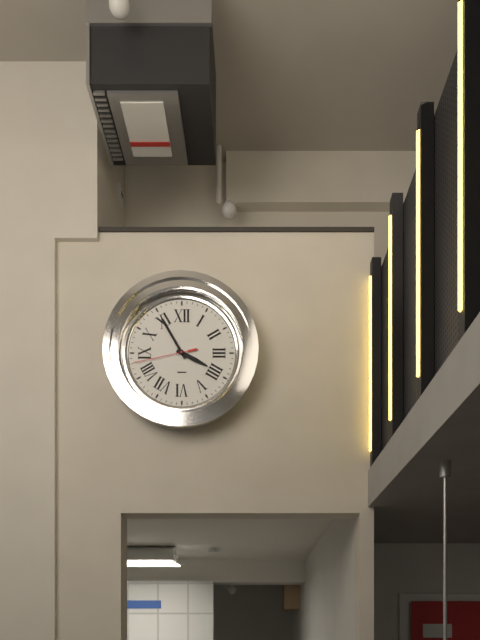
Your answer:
{"hour": 3, "minute": 55, "second": 43}
